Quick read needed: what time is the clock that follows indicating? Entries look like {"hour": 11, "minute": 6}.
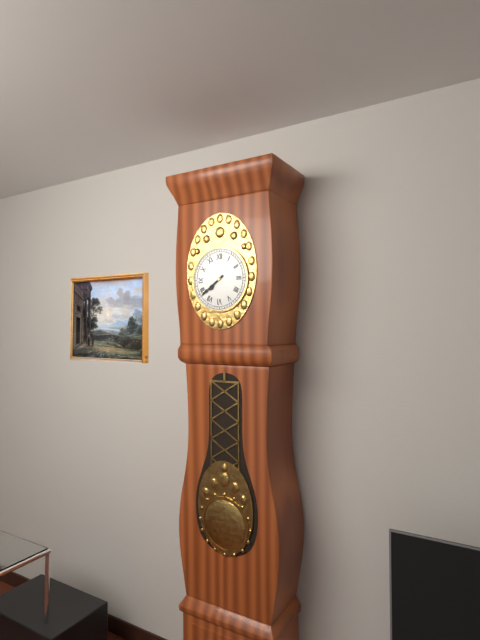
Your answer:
{"hour": 7, "minute": 39}
